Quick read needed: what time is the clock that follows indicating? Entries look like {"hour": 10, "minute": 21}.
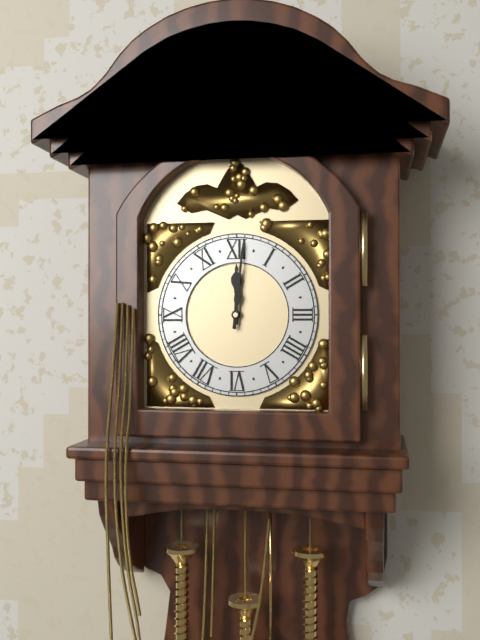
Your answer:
{"hour": 12, "minute": 1}
